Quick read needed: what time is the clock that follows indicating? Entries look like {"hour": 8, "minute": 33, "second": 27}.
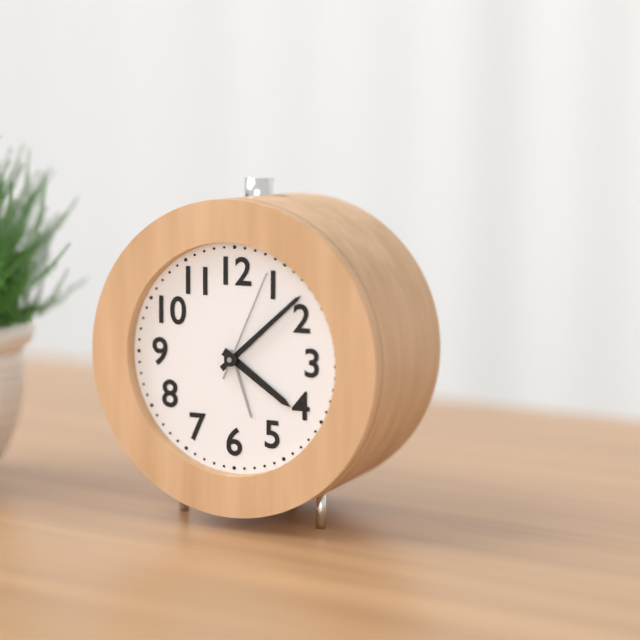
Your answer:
{"hour": 4, "minute": 8, "second": 4}
